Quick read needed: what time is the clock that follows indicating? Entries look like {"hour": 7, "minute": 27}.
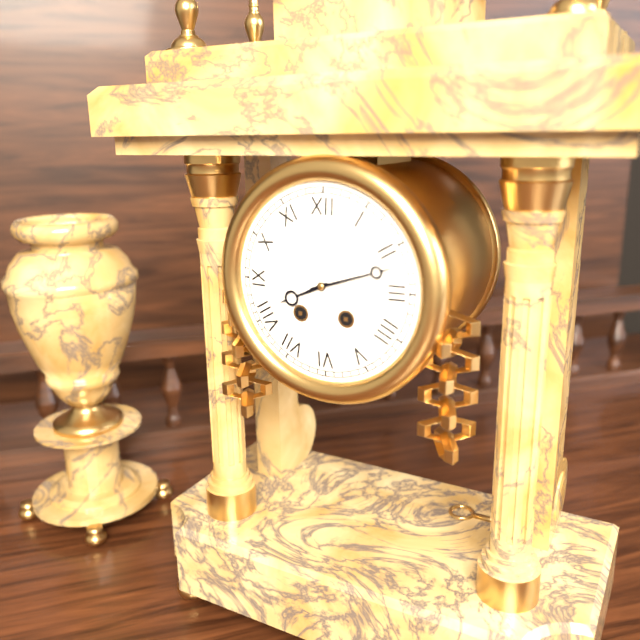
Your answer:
{"hour": 8, "minute": 12}
